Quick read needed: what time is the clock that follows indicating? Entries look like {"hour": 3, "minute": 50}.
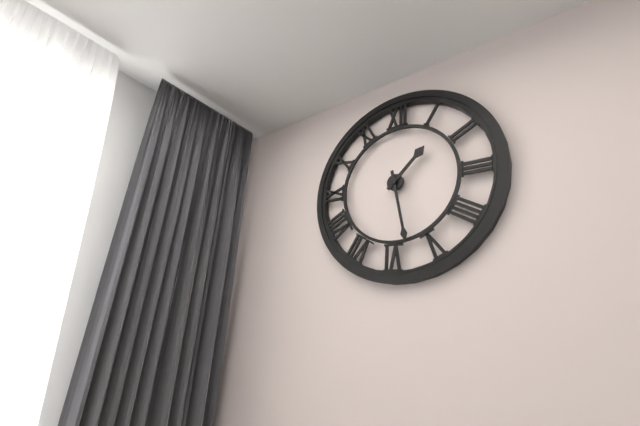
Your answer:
{"hour": 1, "minute": 28}
